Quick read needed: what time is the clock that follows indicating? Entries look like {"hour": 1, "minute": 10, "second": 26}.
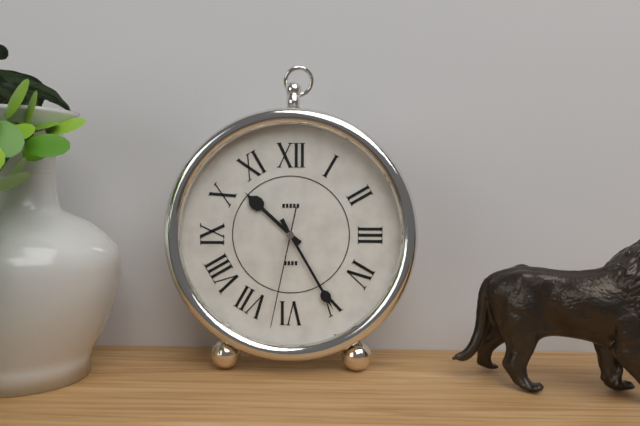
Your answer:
{"hour": 10, "minute": 25, "second": 32}
